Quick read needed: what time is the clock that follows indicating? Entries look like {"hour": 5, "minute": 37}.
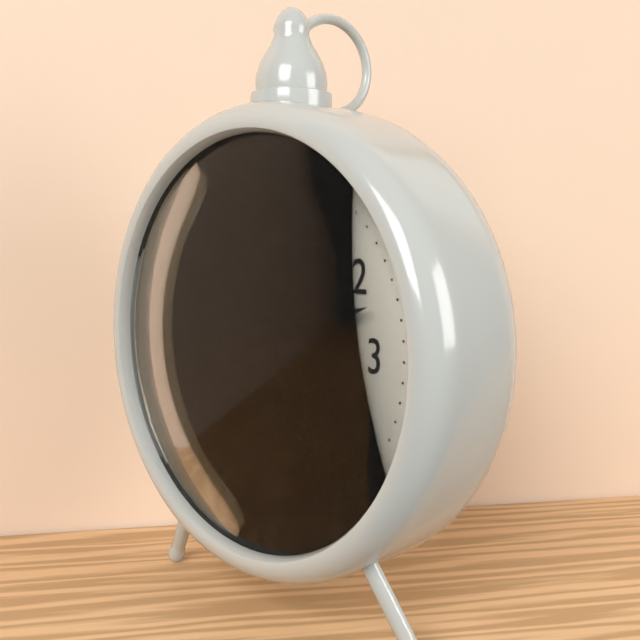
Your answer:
{"hour": 9, "minute": 12}
